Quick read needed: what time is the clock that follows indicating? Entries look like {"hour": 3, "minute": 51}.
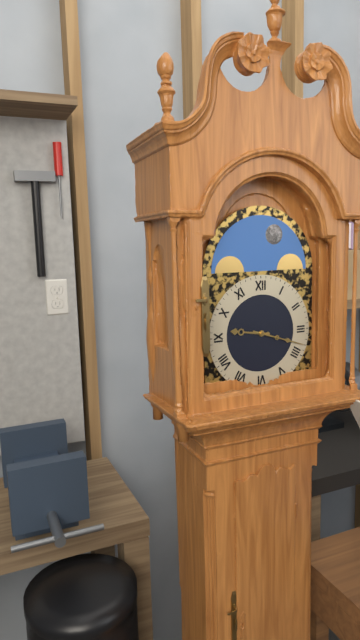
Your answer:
{"hour": 9, "minute": 18}
